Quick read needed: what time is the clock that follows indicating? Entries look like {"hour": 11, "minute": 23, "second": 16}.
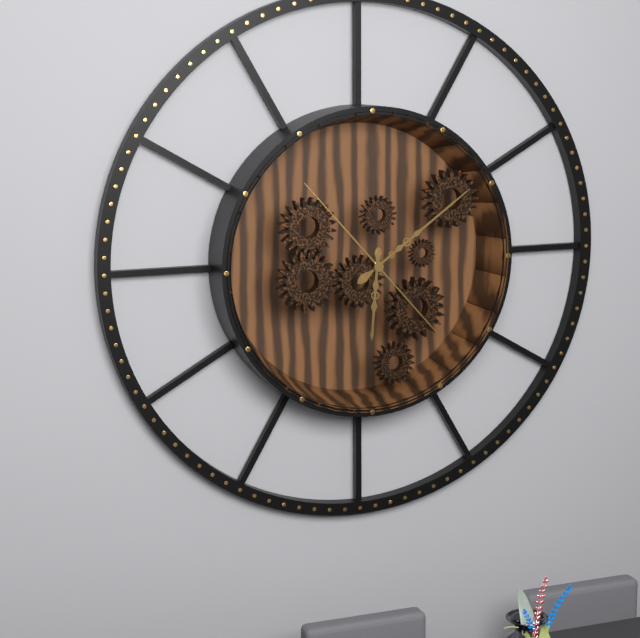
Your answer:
{"hour": 6, "minute": 9, "second": 53}
